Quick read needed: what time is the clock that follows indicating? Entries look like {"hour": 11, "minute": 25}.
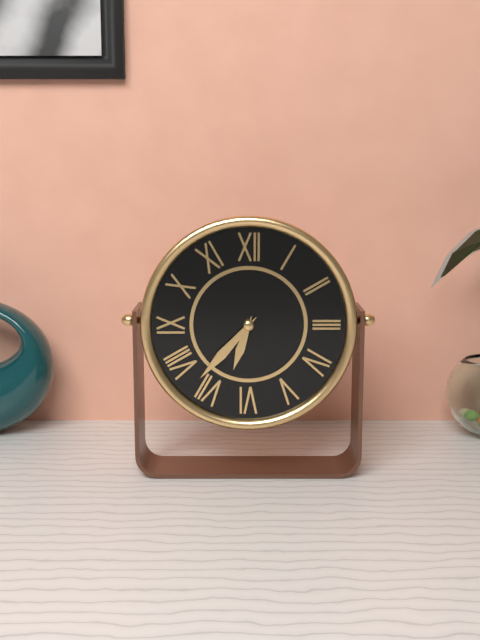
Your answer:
{"hour": 6, "minute": 37}
